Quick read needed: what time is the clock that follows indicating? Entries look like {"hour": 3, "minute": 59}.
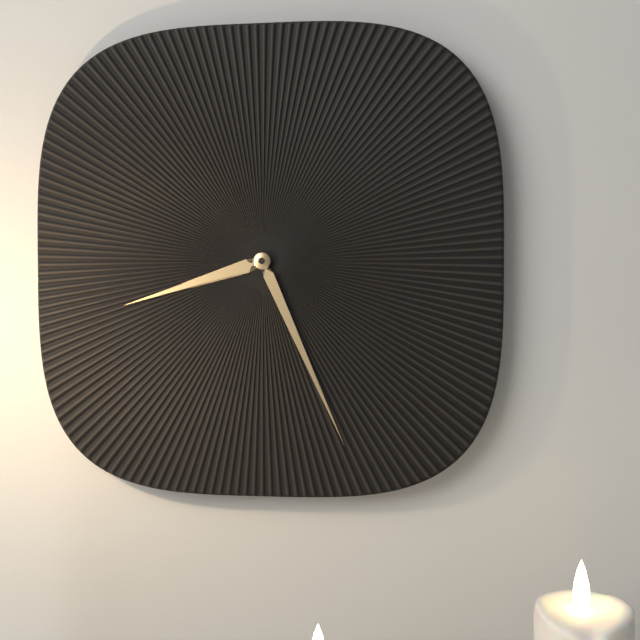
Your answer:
{"hour": 8, "minute": 26}
